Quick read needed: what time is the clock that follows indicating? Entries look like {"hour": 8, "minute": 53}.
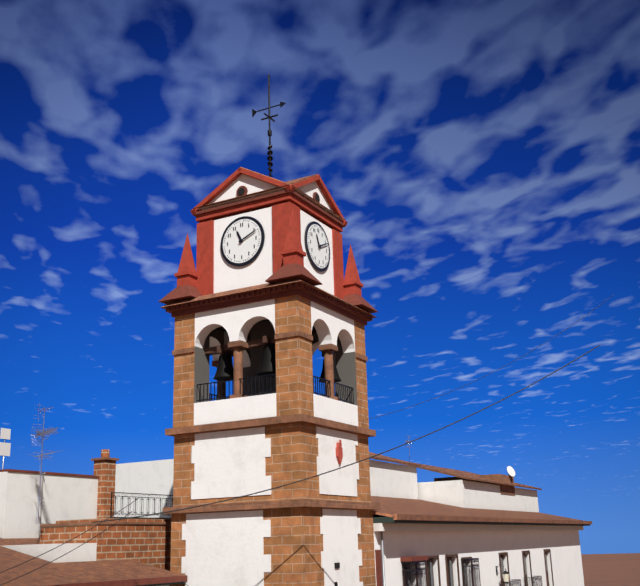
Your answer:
{"hour": 11, "minute": 11}
